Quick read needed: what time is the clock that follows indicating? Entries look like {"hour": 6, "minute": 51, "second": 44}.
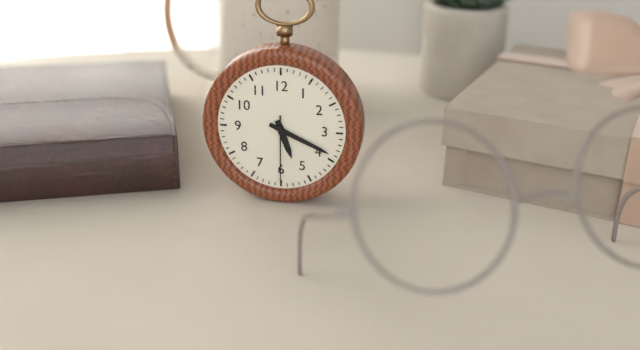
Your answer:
{"hour": 5, "minute": 19, "second": 30}
